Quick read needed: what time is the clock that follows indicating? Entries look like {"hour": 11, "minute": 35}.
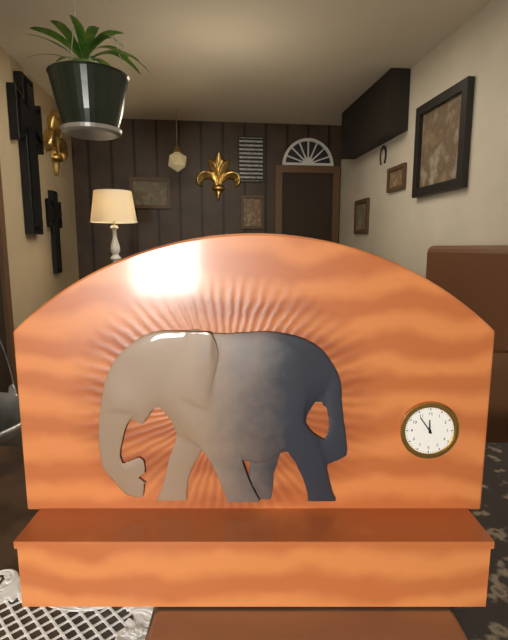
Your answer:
{"hour": 11, "minute": 54}
